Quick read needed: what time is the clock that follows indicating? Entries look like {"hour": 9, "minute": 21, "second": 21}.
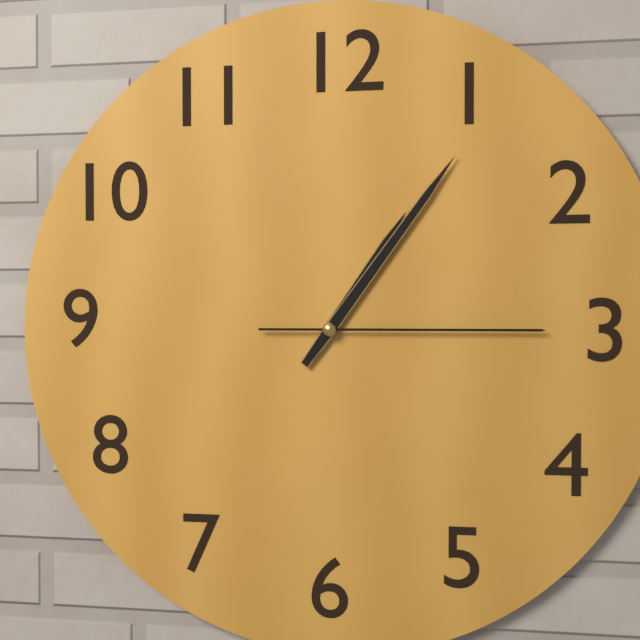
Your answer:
{"hour": 1, "minute": 6, "second": 15}
